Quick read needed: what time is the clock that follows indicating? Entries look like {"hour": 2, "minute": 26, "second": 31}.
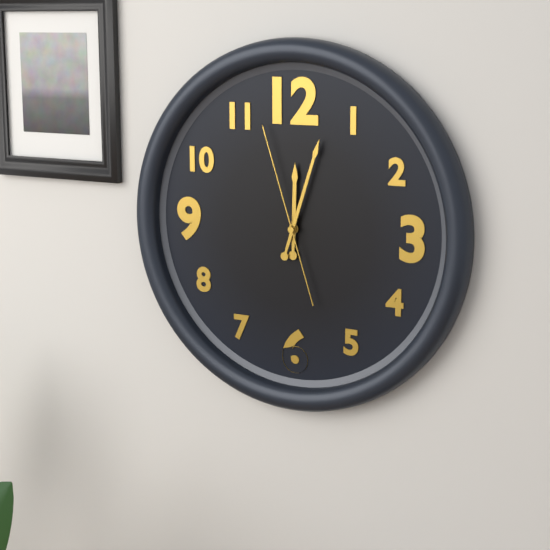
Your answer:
{"hour": 12, "minute": 3, "second": 57}
